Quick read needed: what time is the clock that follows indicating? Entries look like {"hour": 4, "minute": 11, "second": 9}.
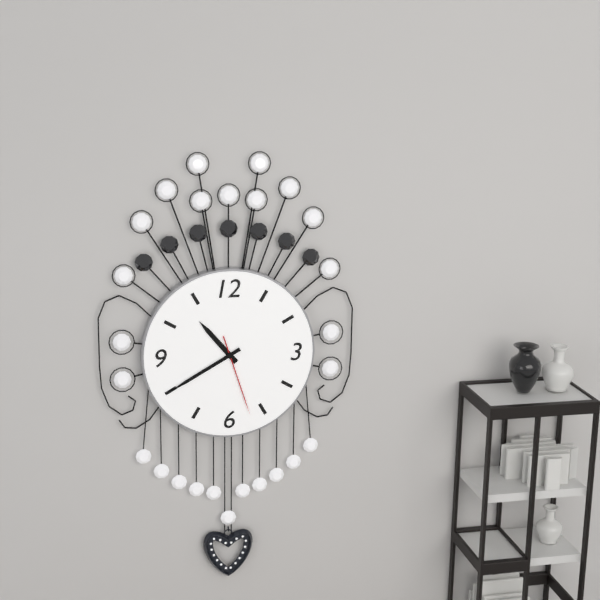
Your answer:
{"hour": 10, "minute": 40, "second": 27}
